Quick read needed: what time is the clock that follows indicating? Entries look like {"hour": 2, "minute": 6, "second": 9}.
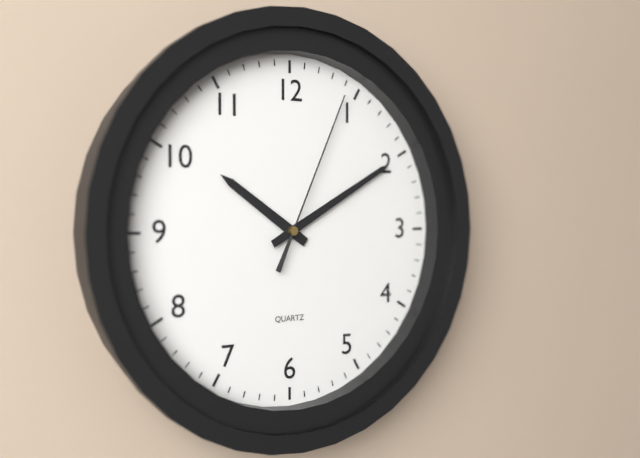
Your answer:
{"hour": 10, "minute": 10, "second": 4}
